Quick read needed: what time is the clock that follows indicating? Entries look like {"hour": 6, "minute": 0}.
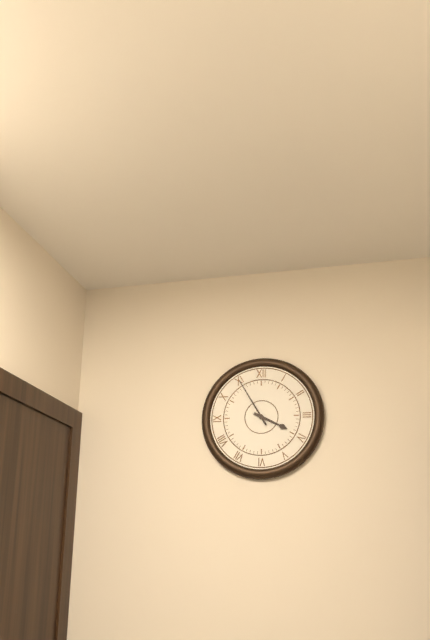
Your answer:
{"hour": 3, "minute": 55}
